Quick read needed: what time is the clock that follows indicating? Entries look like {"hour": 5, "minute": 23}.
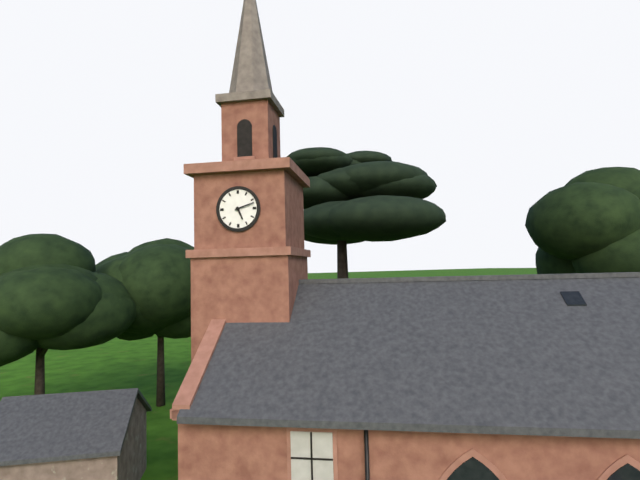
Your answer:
{"hour": 5, "minute": 12}
